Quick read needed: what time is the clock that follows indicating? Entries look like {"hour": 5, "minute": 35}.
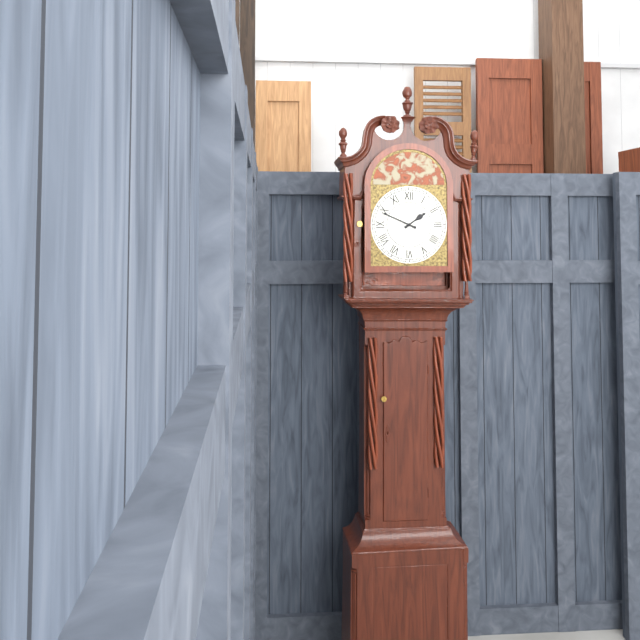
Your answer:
{"hour": 1, "minute": 49}
